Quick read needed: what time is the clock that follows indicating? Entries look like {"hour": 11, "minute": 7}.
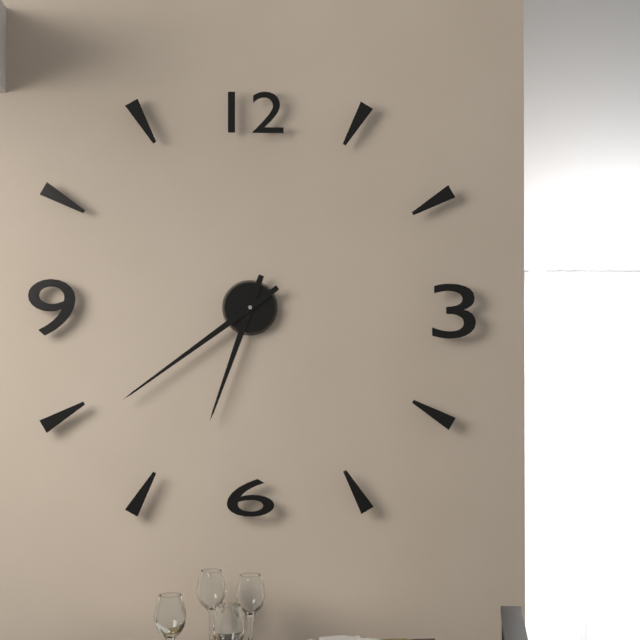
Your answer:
{"hour": 6, "minute": 39}
